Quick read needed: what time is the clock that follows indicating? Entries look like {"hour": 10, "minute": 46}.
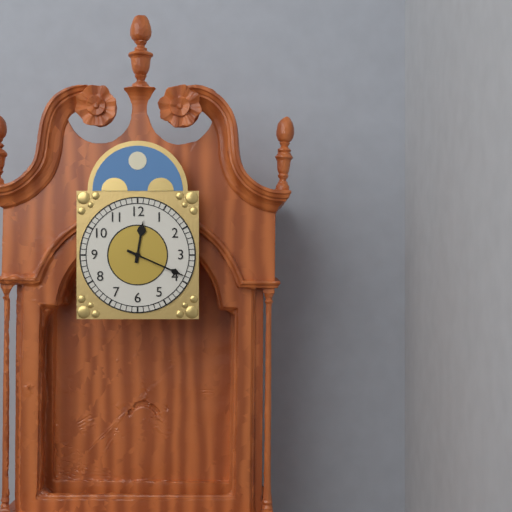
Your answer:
{"hour": 12, "minute": 19}
